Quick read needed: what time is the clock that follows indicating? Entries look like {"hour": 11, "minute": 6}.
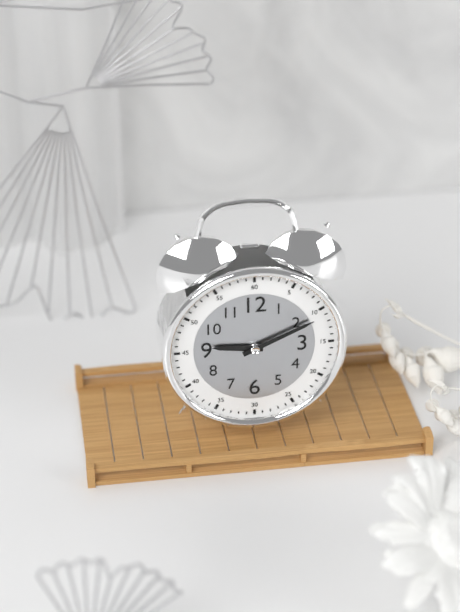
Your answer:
{"hour": 9, "minute": 11}
